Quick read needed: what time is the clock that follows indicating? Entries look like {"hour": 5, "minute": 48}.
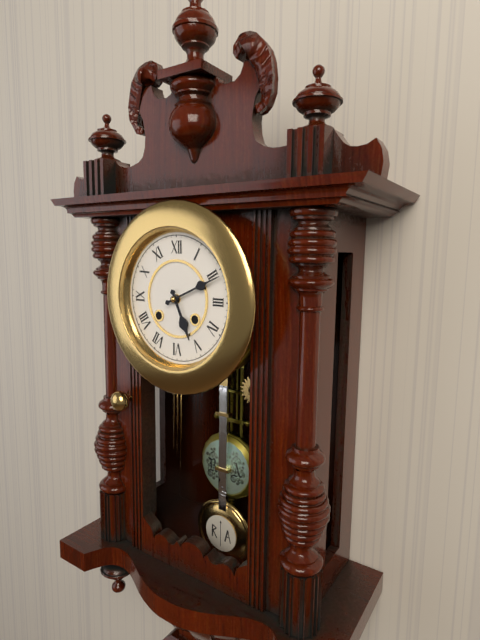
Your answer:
{"hour": 5, "minute": 11}
